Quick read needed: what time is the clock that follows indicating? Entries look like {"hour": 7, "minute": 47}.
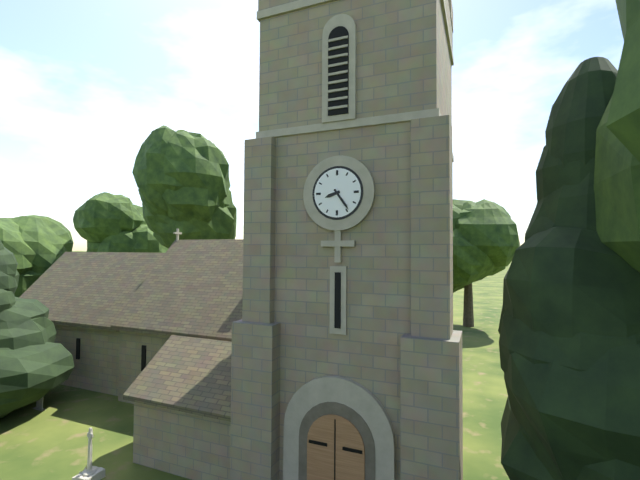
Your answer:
{"hour": 8, "minute": 24}
